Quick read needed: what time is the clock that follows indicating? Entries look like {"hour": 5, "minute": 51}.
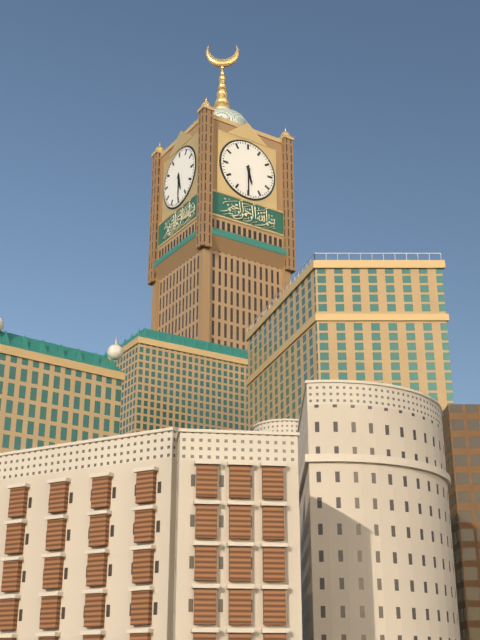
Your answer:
{"hour": 5, "minute": 30}
